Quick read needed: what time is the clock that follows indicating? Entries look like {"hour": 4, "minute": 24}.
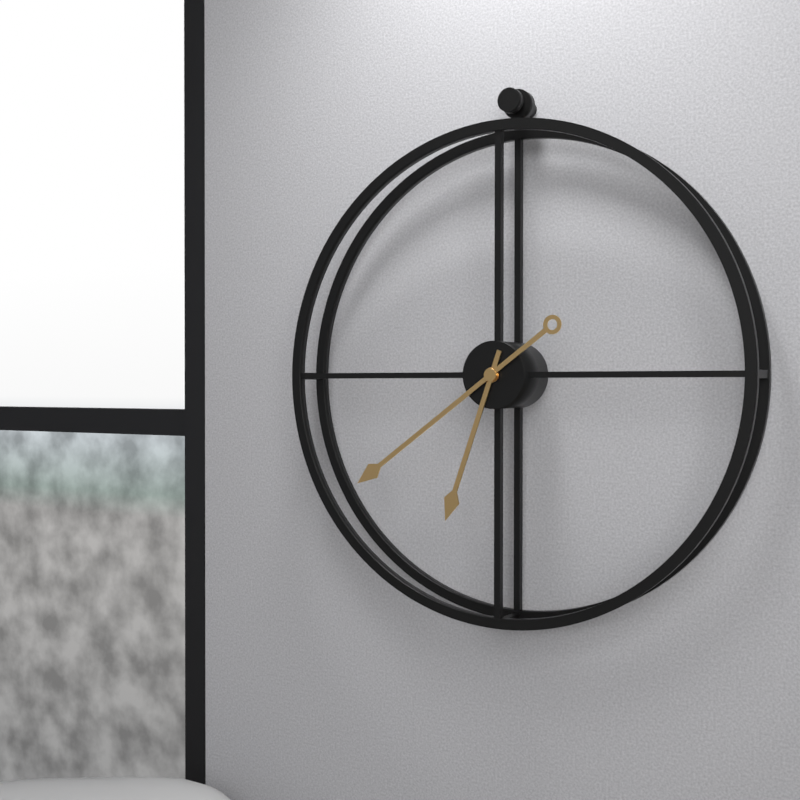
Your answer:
{"hour": 6, "minute": 39}
